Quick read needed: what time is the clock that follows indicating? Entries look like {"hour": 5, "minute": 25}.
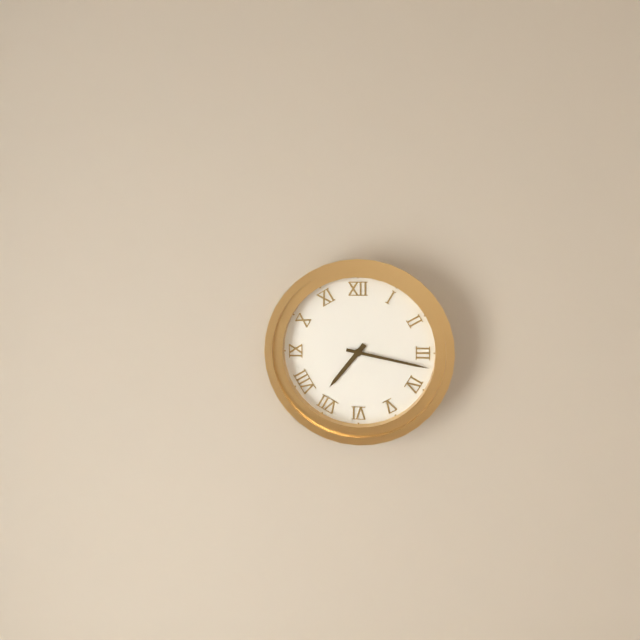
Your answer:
{"hour": 7, "minute": 17}
